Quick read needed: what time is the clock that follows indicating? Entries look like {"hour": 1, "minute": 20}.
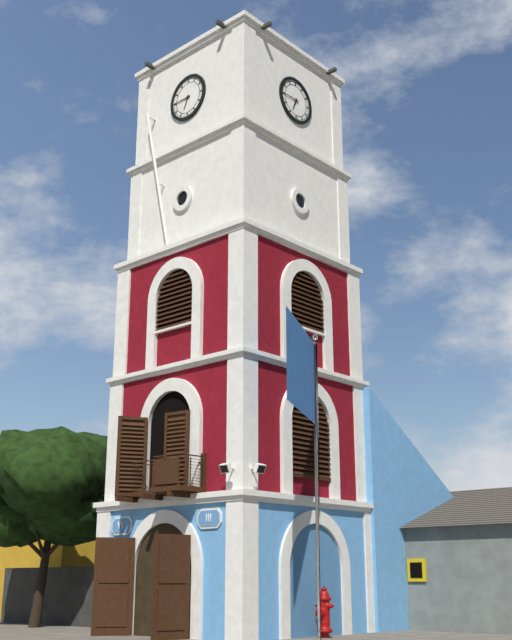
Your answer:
{"hour": 6, "minute": 45}
